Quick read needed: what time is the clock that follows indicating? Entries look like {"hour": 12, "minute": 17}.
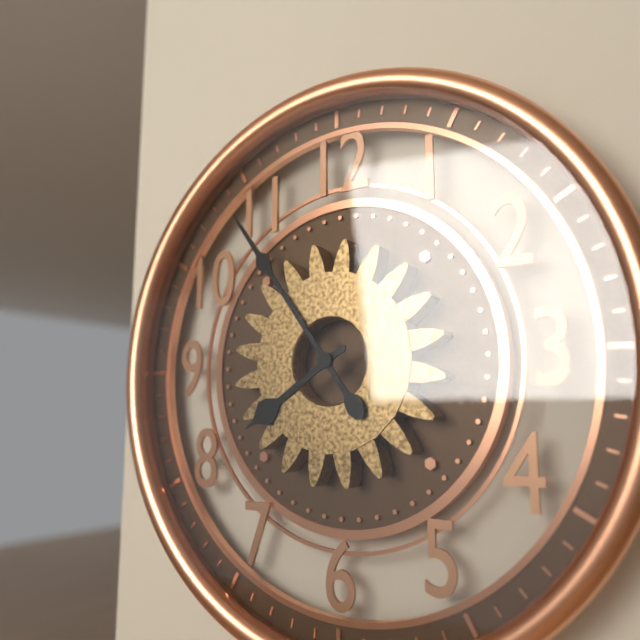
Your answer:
{"hour": 7, "minute": 54}
